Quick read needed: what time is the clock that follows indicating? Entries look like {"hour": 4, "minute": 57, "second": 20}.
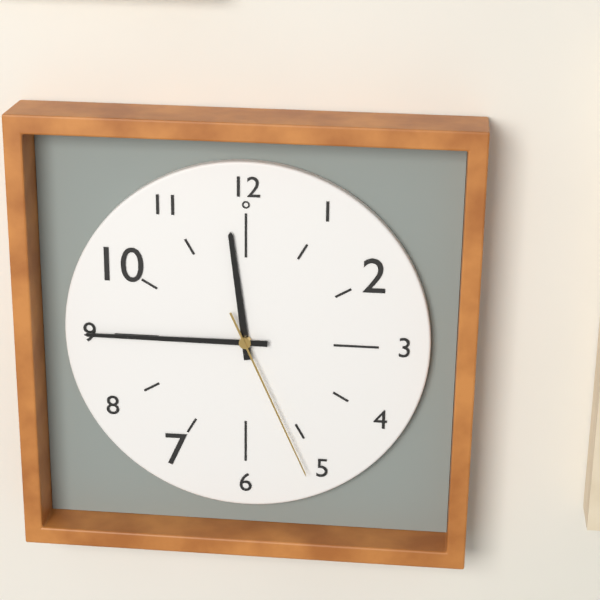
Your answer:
{"hour": 11, "minute": 45, "second": 26}
